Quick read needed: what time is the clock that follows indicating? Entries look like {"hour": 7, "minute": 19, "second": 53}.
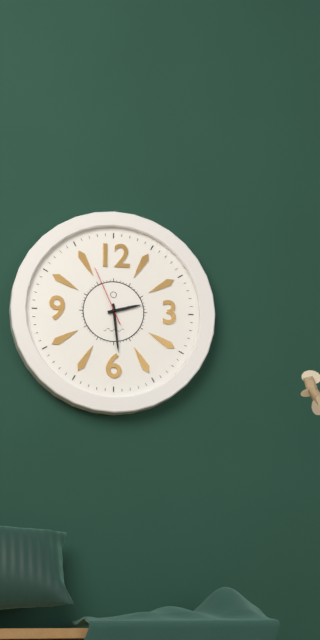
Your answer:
{"hour": 2, "minute": 29, "second": 56}
